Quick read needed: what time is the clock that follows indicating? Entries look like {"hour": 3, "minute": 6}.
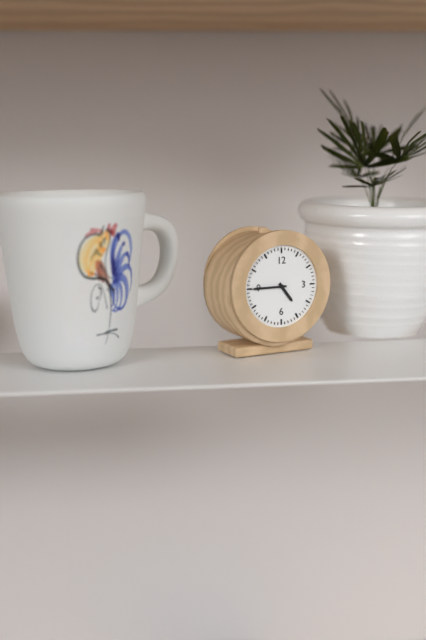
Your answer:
{"hour": 4, "minute": 45}
